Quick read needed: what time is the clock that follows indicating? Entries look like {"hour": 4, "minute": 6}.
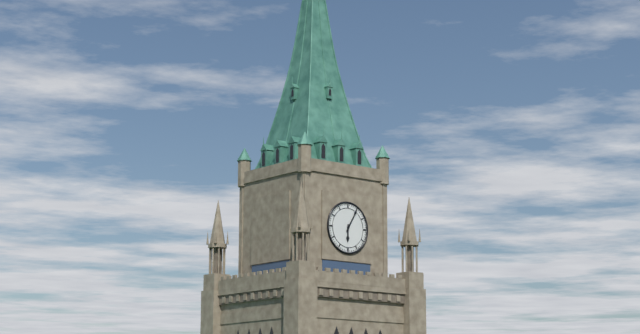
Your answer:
{"hour": 6, "minute": 5}
